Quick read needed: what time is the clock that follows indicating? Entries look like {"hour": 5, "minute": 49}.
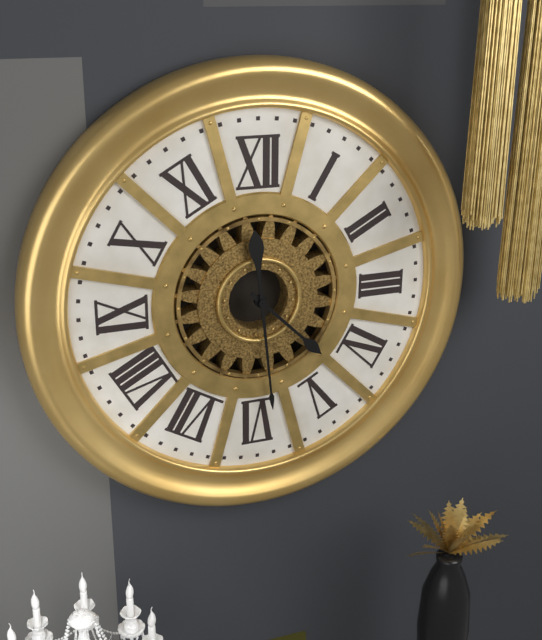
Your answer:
{"hour": 4, "minute": 29}
